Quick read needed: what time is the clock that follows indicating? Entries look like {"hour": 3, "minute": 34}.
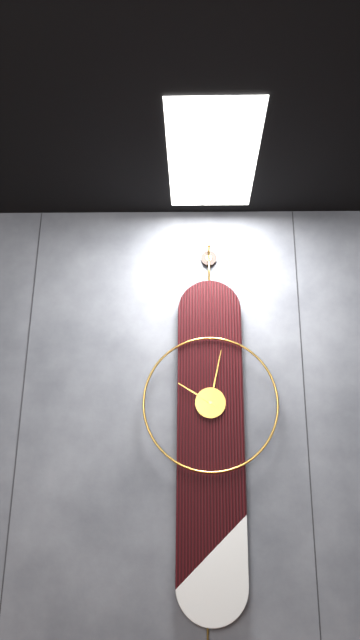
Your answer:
{"hour": 10, "minute": 2}
